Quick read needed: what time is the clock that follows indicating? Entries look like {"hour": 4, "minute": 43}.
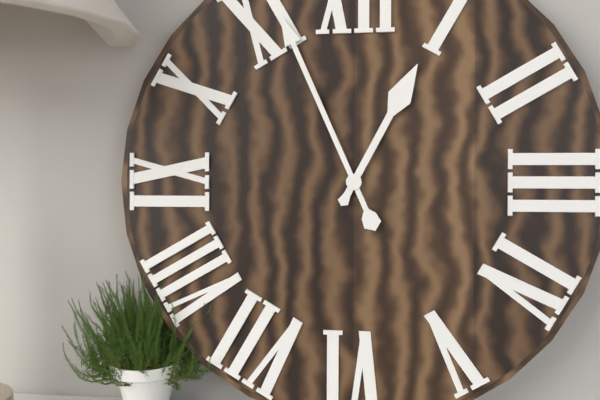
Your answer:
{"hour": 12, "minute": 56}
